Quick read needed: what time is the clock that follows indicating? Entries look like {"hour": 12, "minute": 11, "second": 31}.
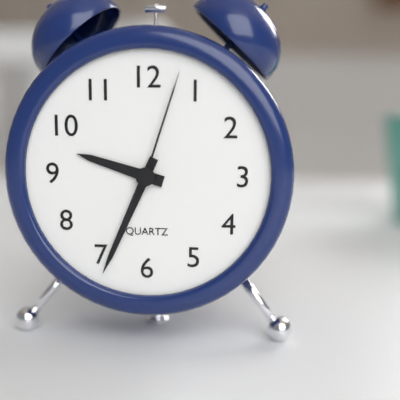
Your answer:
{"hour": 9, "minute": 34, "second": 3}
